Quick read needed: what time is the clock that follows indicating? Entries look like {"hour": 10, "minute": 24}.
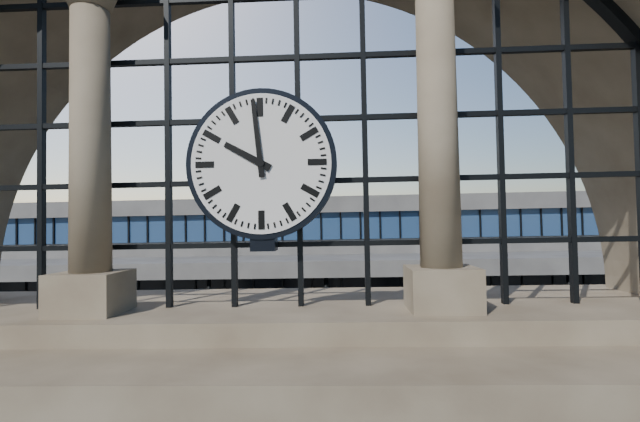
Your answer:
{"hour": 9, "minute": 59}
